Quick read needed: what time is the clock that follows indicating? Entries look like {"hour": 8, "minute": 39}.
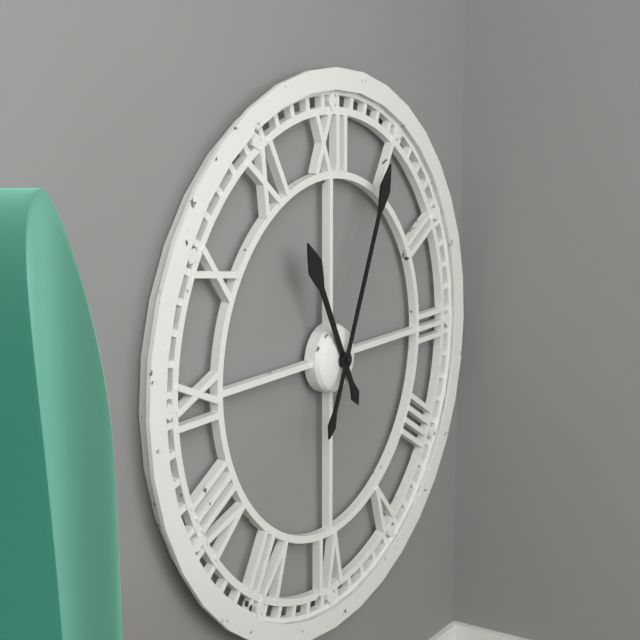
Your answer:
{"hour": 11, "minute": 4}
